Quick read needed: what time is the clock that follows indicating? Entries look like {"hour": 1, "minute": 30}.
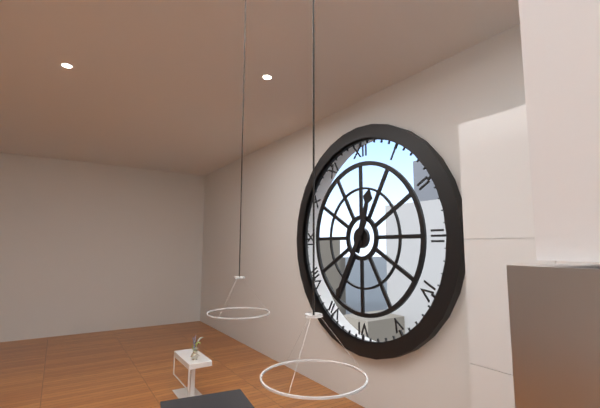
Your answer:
{"hour": 12, "minute": 35}
